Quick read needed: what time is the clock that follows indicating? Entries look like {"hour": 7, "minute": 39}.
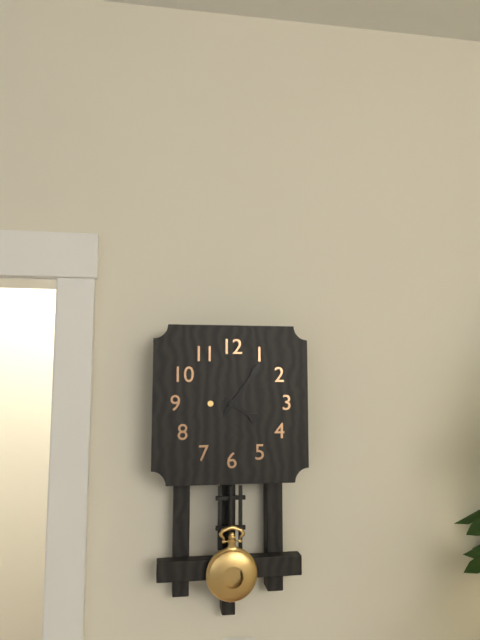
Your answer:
{"hour": 4, "minute": 6}
